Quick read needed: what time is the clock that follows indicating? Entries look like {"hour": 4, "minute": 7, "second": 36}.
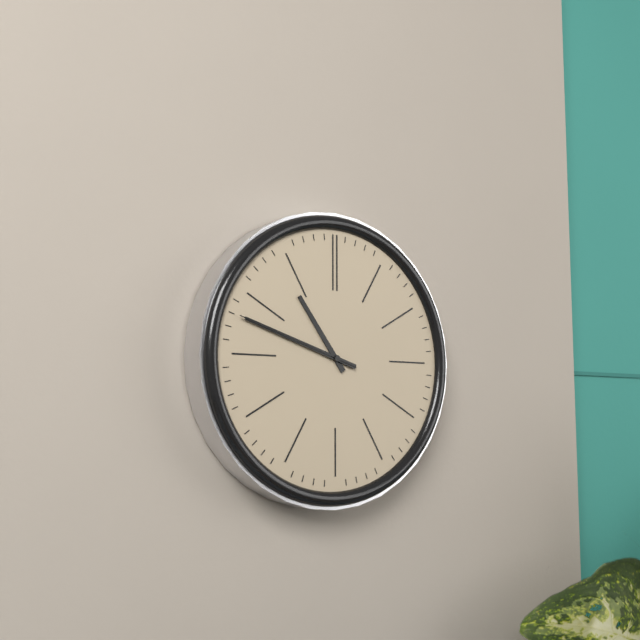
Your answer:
{"hour": 10, "minute": 48, "second": 48}
